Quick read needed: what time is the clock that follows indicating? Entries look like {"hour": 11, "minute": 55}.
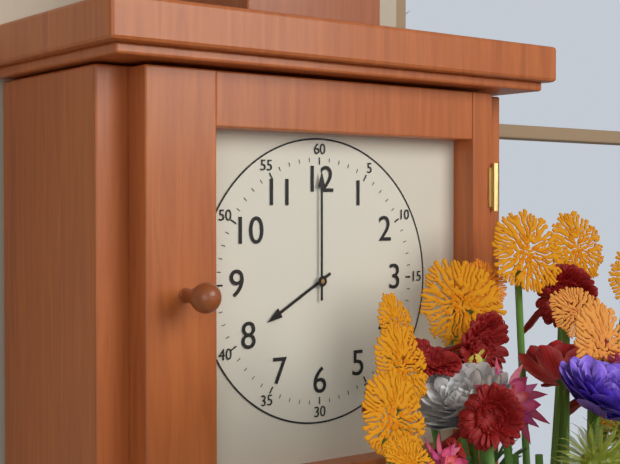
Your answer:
{"hour": 8, "minute": 0}
